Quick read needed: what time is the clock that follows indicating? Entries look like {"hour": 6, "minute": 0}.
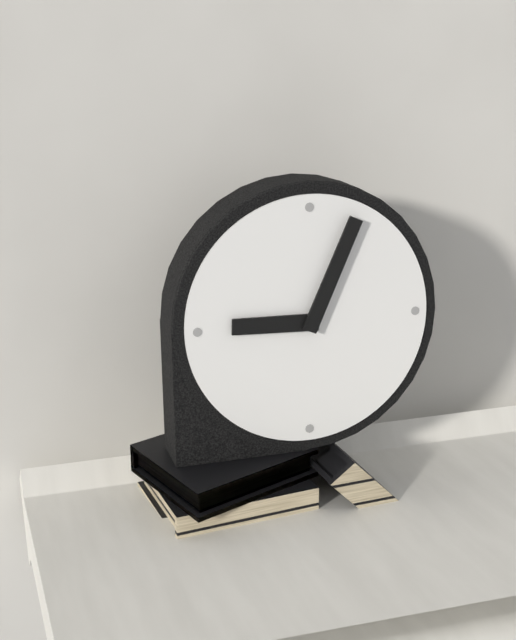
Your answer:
{"hour": 9, "minute": 4}
